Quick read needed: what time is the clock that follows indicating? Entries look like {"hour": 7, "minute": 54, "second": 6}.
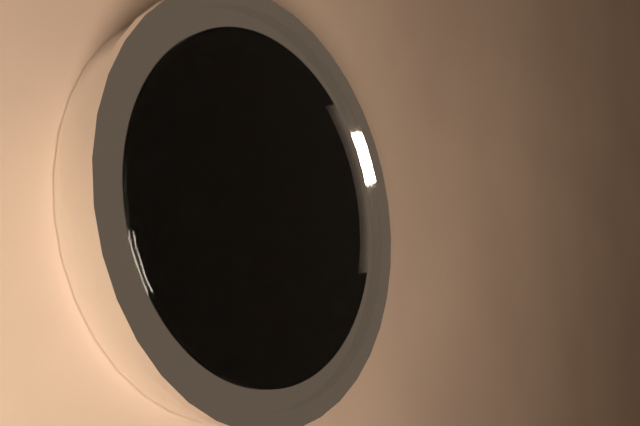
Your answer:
{"hour": 1, "minute": 51, "second": 57}
